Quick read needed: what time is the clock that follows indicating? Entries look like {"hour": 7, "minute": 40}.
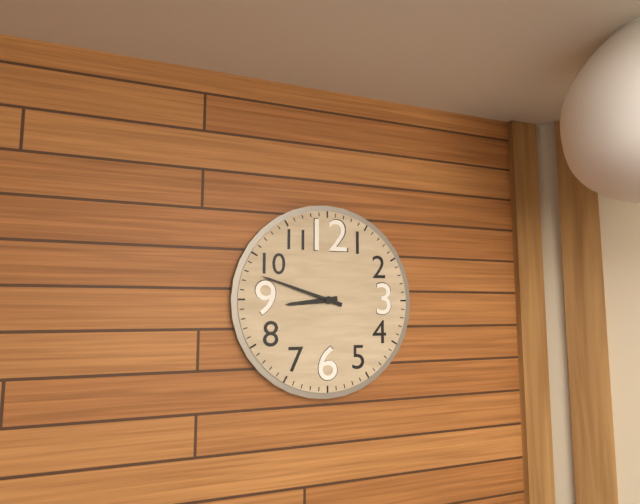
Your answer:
{"hour": 8, "minute": 48}
